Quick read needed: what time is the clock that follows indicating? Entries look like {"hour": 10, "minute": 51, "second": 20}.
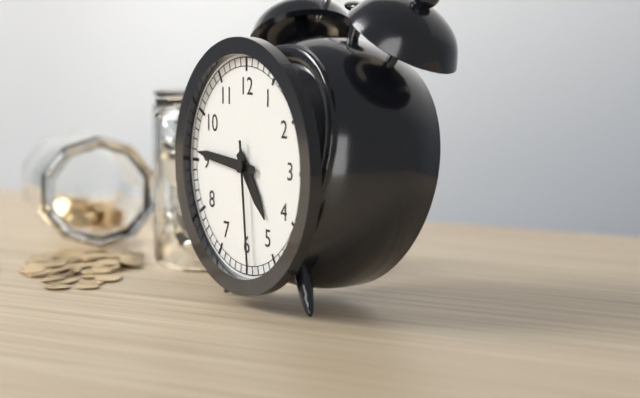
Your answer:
{"hour": 4, "minute": 46, "second": 29}
